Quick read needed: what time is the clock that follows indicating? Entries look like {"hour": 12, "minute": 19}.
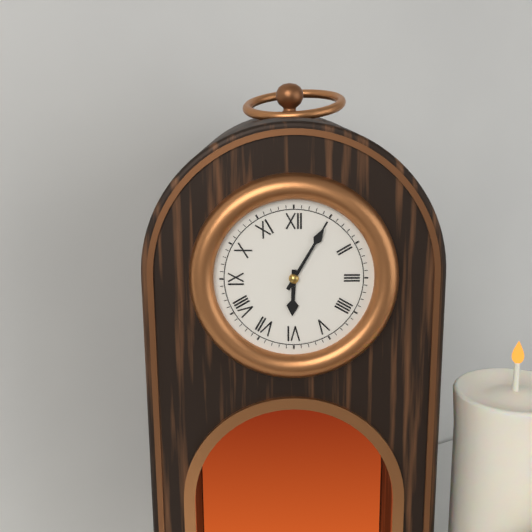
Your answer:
{"hour": 6, "minute": 5}
